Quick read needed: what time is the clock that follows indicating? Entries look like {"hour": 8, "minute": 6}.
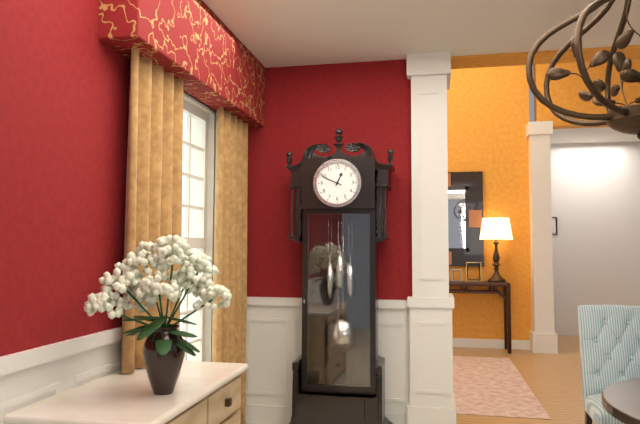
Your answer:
{"hour": 12, "minute": 49}
